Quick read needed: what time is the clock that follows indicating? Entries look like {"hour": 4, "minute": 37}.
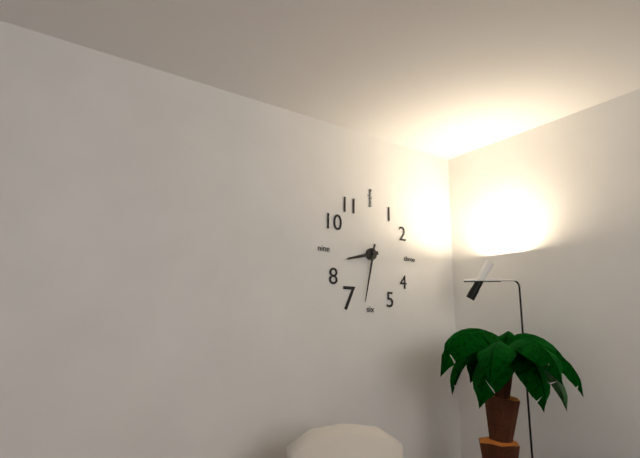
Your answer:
{"hour": 8, "minute": 32}
